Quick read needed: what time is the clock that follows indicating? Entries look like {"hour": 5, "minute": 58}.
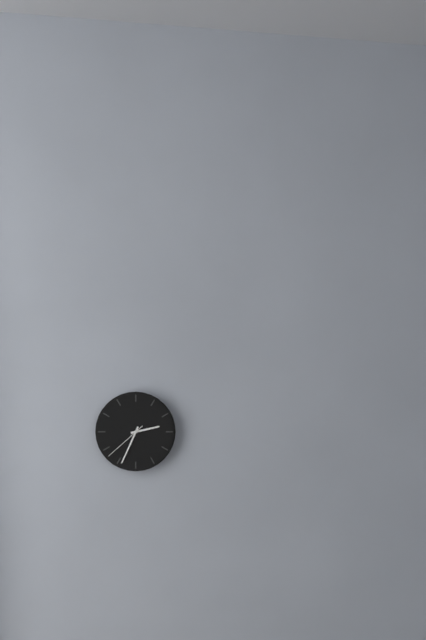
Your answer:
{"hour": 2, "minute": 34}
